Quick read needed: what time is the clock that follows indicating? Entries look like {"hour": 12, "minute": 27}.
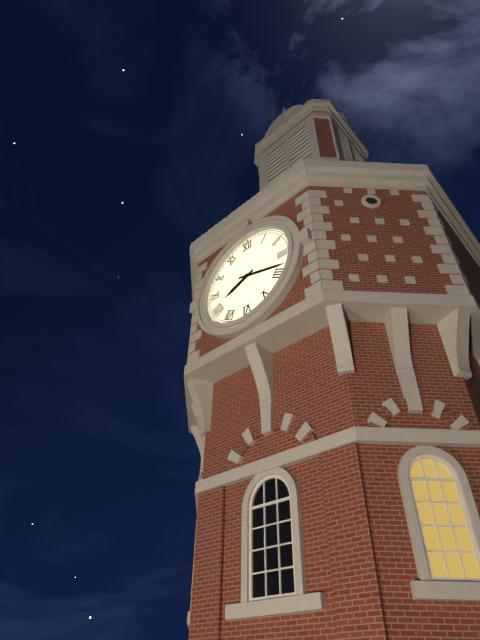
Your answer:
{"hour": 8, "minute": 18}
